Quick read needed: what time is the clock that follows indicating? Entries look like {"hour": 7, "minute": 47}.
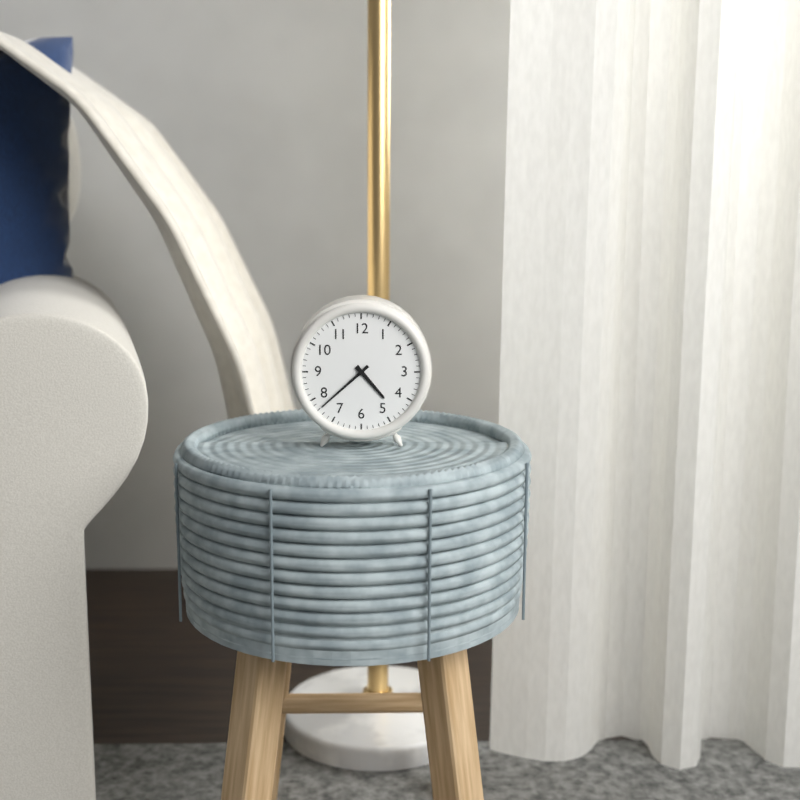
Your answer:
{"hour": 4, "minute": 38}
